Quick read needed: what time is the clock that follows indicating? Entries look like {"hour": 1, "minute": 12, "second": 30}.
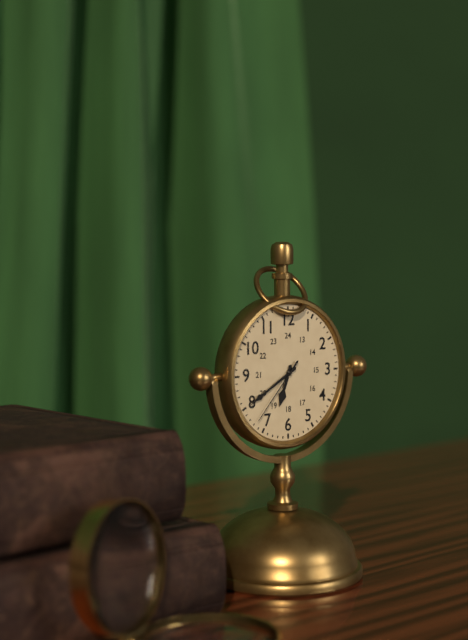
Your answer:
{"hour": 6, "minute": 40, "second": 37}
